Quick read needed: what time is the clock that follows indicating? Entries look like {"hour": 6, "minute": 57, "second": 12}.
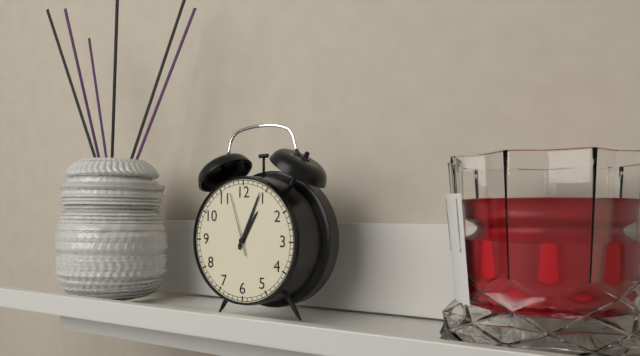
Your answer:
{"hour": 1, "minute": 4, "second": 57}
